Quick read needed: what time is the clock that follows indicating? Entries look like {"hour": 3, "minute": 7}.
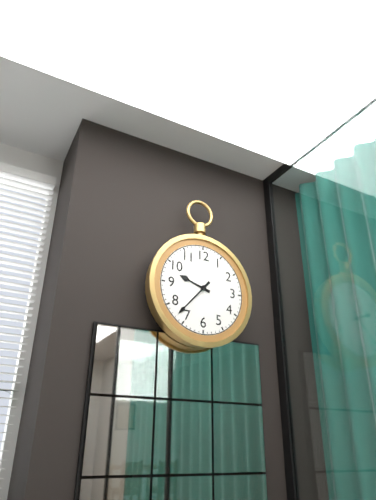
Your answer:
{"hour": 9, "minute": 37}
